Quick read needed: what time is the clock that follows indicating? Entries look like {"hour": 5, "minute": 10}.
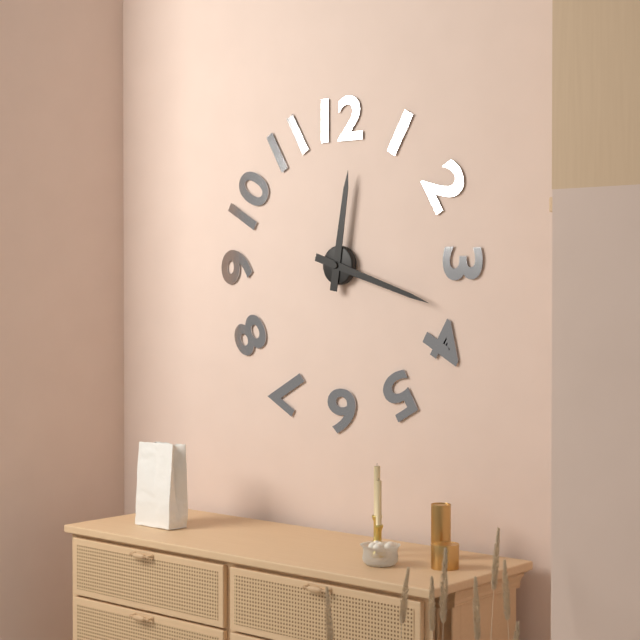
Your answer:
{"hour": 12, "minute": 18}
